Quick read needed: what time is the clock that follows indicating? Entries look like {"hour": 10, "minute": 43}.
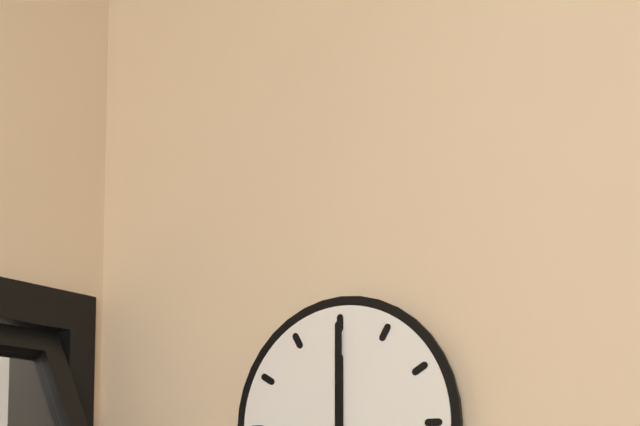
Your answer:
{"hour": 12, "minute": 0}
